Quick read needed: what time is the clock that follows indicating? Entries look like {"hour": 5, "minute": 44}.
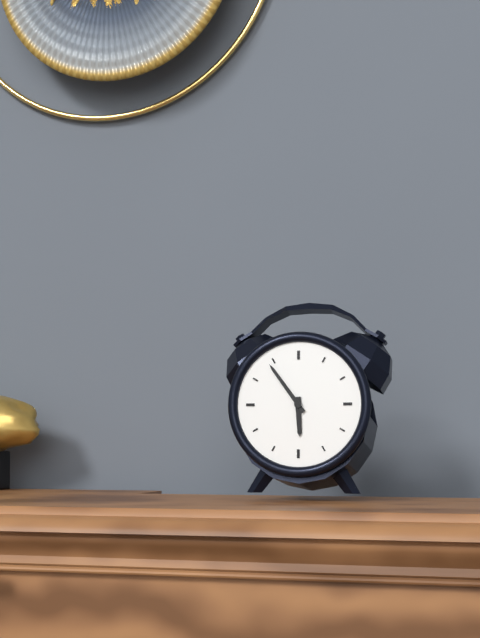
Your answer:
{"hour": 5, "minute": 54}
